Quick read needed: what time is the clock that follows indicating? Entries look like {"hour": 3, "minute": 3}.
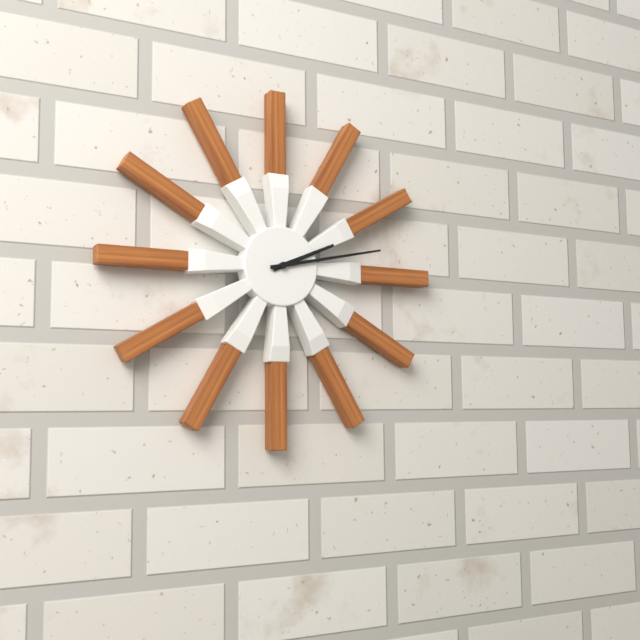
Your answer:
{"hour": 2, "minute": 13}
